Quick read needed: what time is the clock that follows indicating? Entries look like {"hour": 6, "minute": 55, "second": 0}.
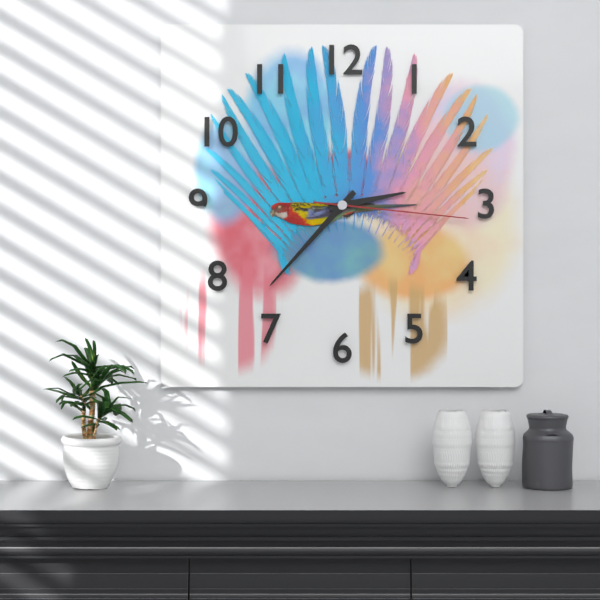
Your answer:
{"hour": 2, "minute": 37, "second": 16}
